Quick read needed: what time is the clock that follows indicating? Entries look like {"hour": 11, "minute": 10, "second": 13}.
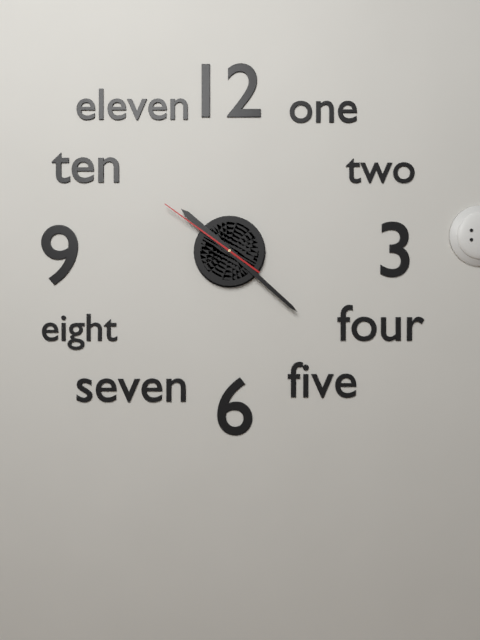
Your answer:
{"hour": 10, "minute": 22, "second": 51}
